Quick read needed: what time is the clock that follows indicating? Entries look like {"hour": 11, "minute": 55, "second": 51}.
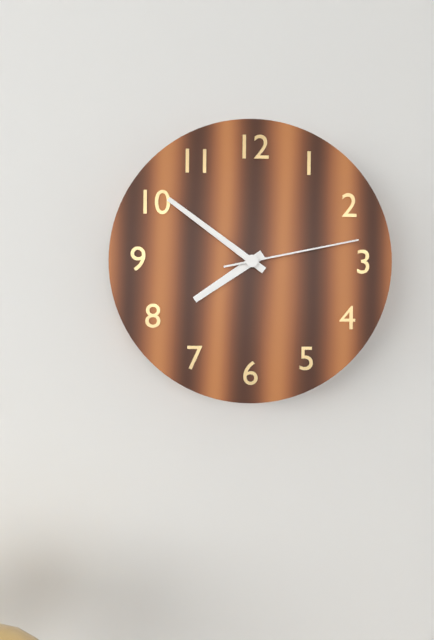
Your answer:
{"hour": 7, "minute": 51, "second": 13}
